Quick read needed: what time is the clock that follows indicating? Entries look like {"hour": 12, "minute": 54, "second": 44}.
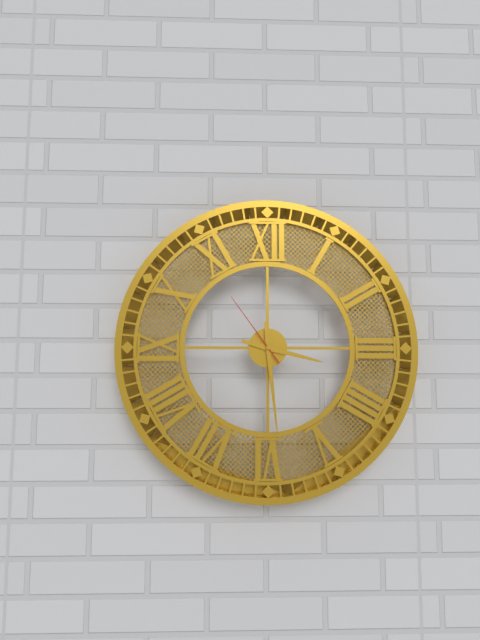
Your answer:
{"hour": 3, "minute": 29, "second": 54}
